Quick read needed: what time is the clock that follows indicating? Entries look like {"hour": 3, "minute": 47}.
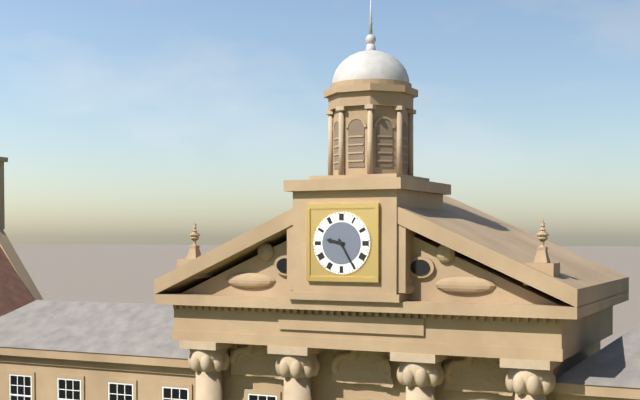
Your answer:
{"hour": 9, "minute": 25}
